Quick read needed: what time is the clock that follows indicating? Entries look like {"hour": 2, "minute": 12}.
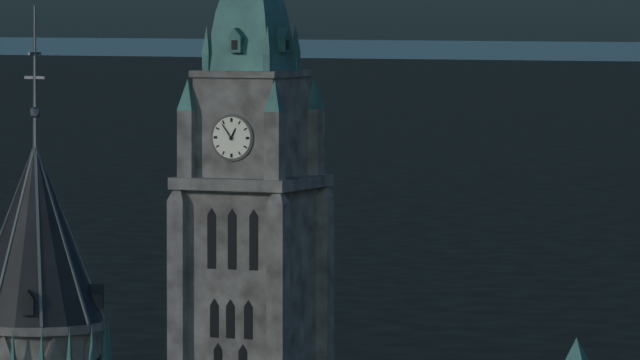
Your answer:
{"hour": 12, "minute": 54}
